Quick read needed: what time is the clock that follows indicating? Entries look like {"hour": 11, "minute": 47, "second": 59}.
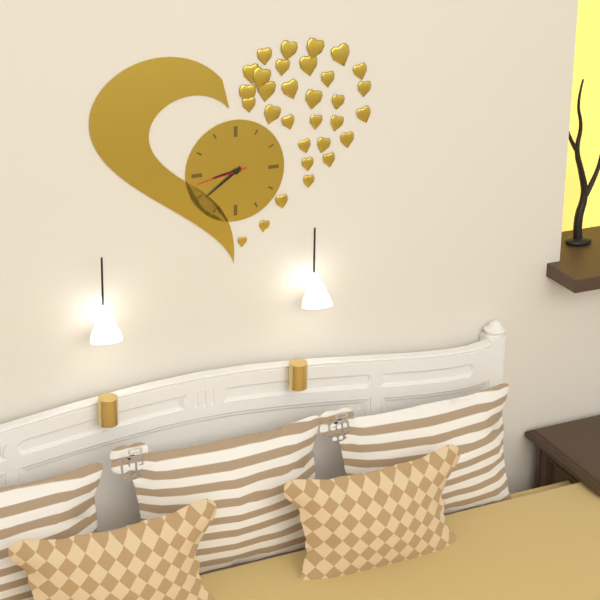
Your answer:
{"hour": 8, "minute": 39, "second": 43}
